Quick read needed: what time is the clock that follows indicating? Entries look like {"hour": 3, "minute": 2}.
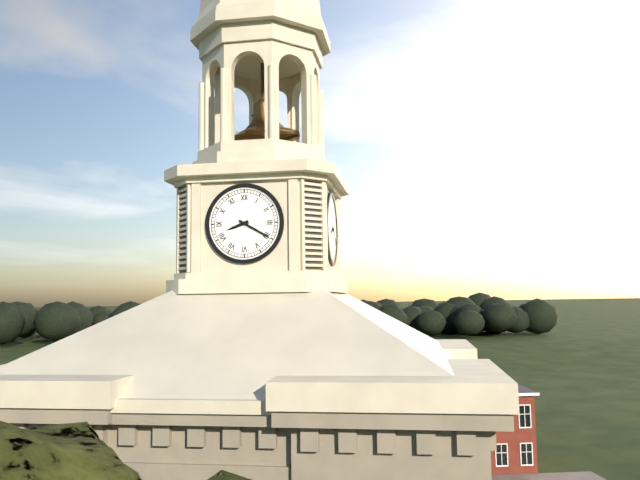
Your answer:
{"hour": 8, "minute": 20}
